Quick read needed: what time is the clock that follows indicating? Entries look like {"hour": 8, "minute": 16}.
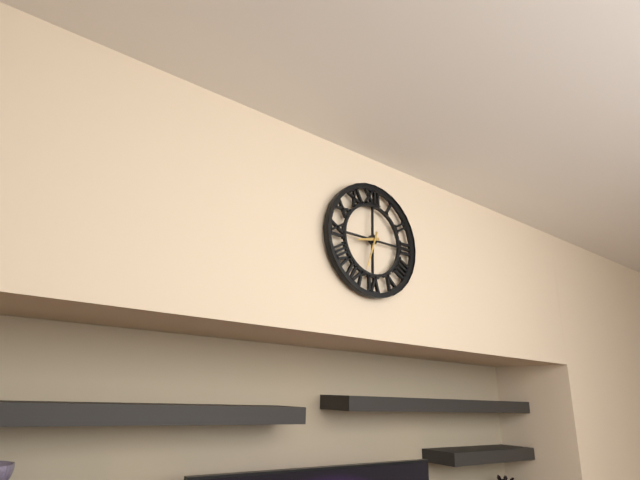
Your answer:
{"hour": 8, "minute": 33}
